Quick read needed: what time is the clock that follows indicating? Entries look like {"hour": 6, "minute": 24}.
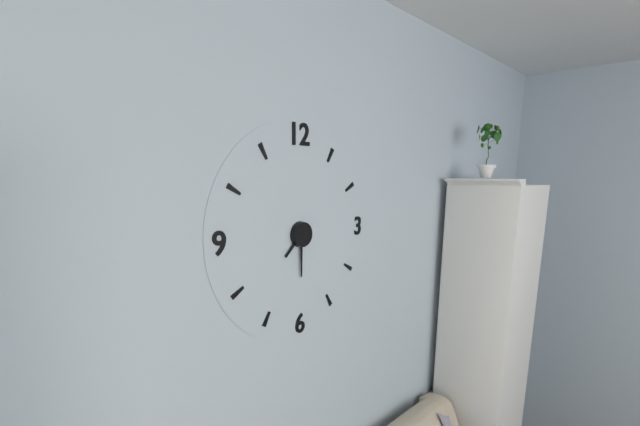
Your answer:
{"hour": 7, "minute": 30}
